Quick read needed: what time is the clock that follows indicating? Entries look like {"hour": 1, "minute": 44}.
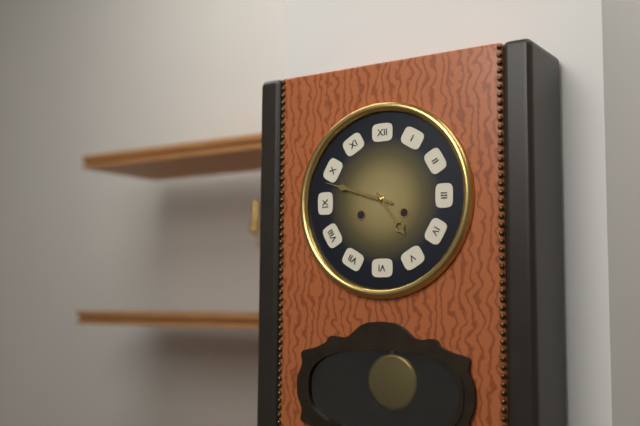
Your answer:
{"hour": 4, "minute": 48}
